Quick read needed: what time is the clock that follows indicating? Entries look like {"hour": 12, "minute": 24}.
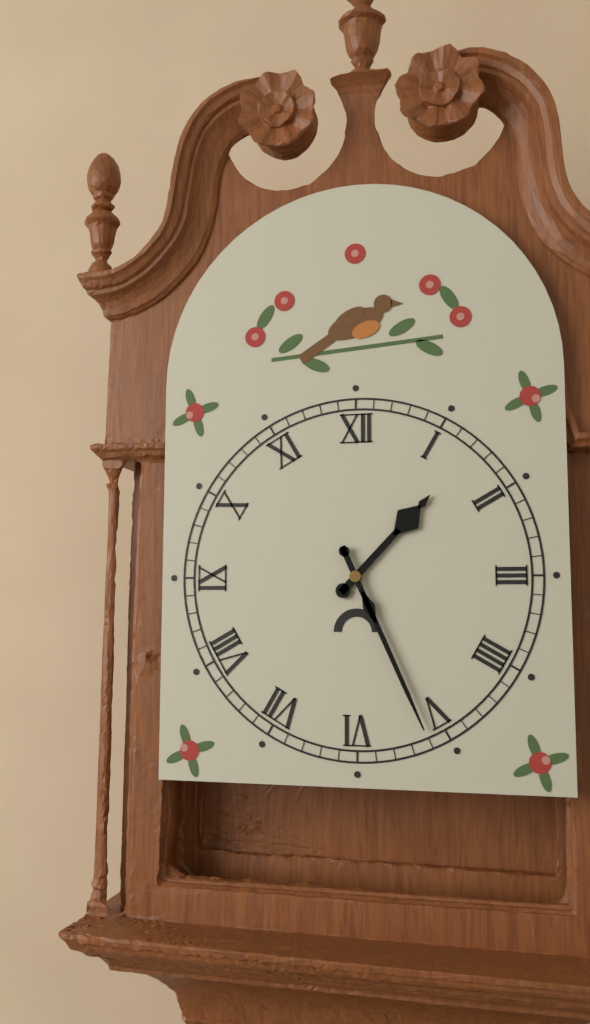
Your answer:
{"hour": 1, "minute": 26}
